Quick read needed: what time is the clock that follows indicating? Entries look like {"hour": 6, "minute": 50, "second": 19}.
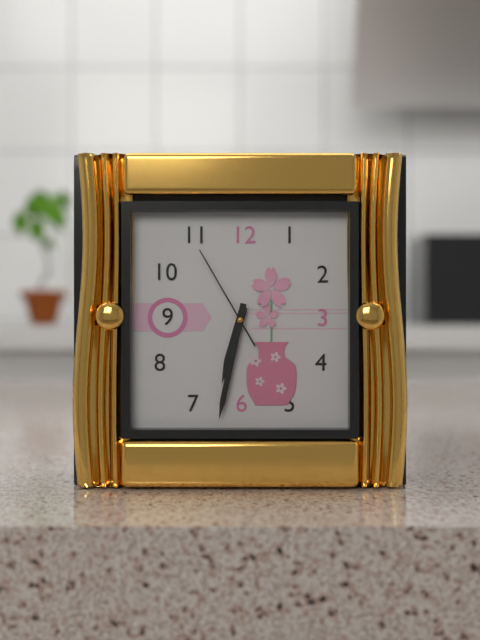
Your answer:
{"hour": 6, "minute": 32, "second": 55}
